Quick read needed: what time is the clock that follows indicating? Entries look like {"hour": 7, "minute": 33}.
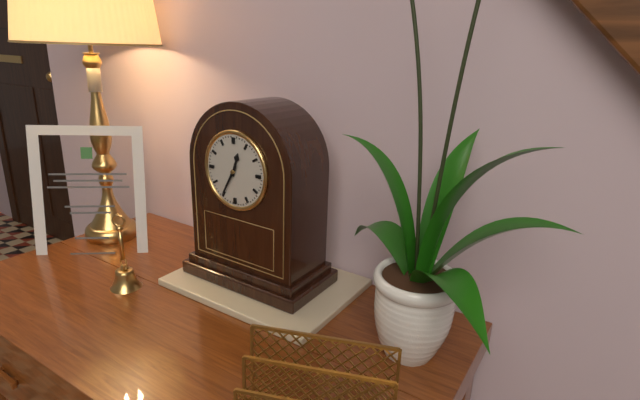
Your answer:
{"hour": 12, "minute": 35}
